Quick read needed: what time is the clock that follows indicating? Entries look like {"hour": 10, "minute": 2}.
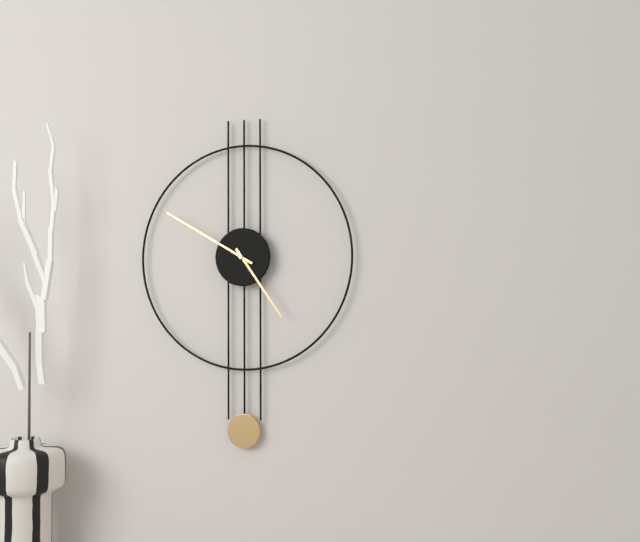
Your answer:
{"hour": 4, "minute": 50}
